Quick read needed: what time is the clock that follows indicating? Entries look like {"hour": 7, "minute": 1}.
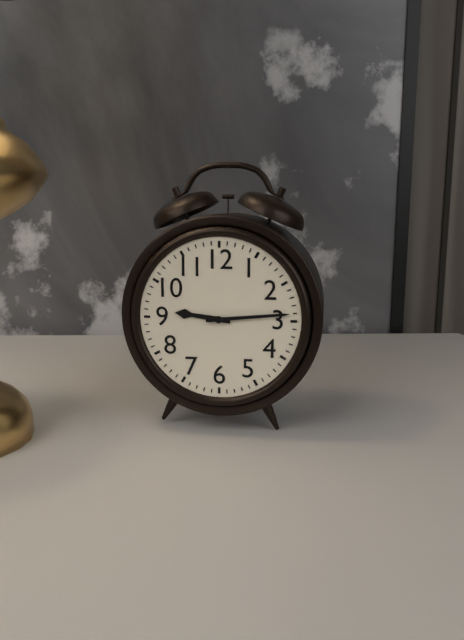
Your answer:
{"hour": 9, "minute": 14}
